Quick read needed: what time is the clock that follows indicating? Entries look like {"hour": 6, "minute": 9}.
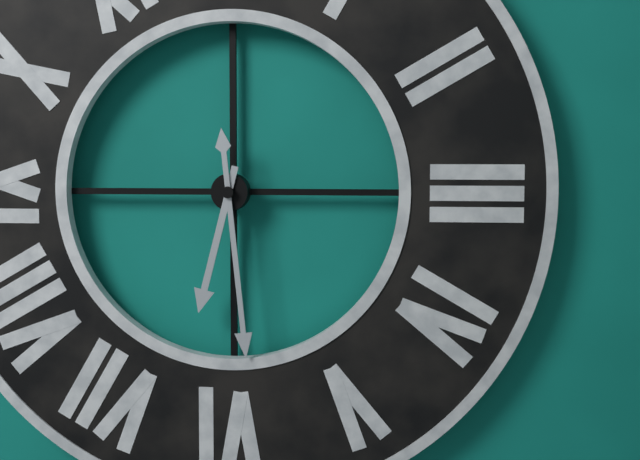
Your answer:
{"hour": 6, "minute": 29}
